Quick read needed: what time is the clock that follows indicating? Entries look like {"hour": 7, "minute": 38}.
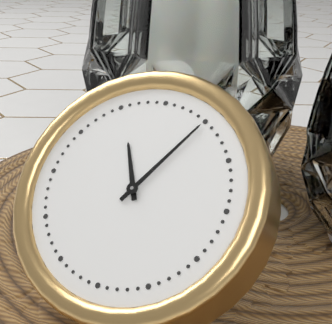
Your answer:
{"hour": 11, "minute": 5}
